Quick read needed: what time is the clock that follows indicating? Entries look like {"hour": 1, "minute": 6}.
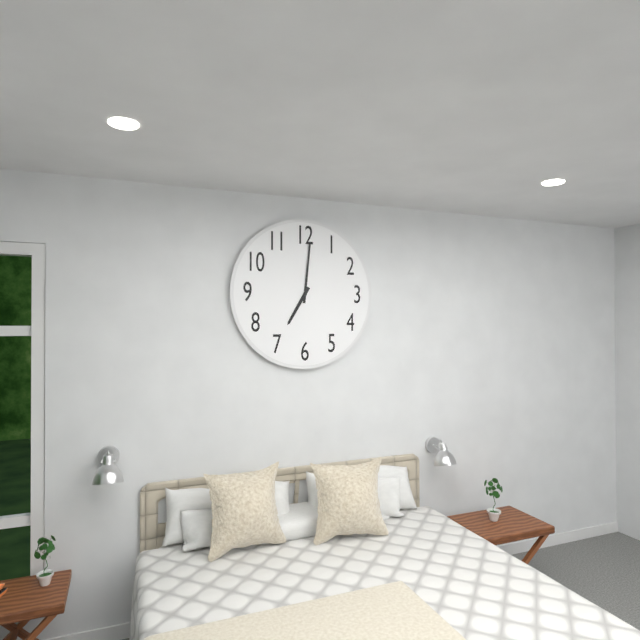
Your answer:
{"hour": 7, "minute": 1}
